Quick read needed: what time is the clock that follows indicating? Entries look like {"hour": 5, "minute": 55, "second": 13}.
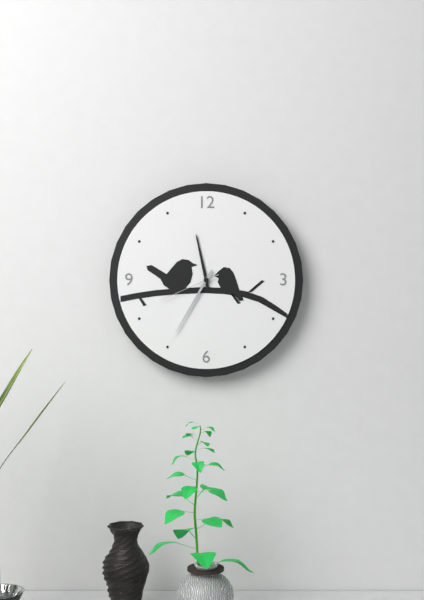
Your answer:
{"hour": 11, "minute": 35, "second": 41}
